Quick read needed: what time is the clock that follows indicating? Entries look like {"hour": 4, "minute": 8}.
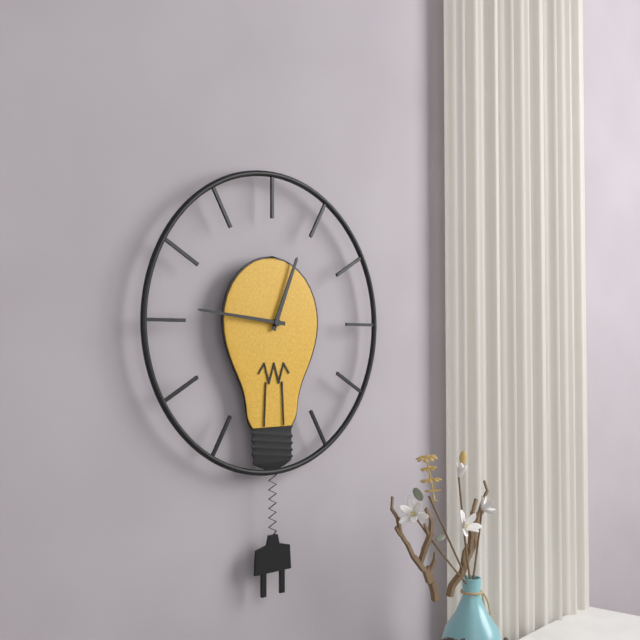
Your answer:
{"hour": 12, "minute": 46}
